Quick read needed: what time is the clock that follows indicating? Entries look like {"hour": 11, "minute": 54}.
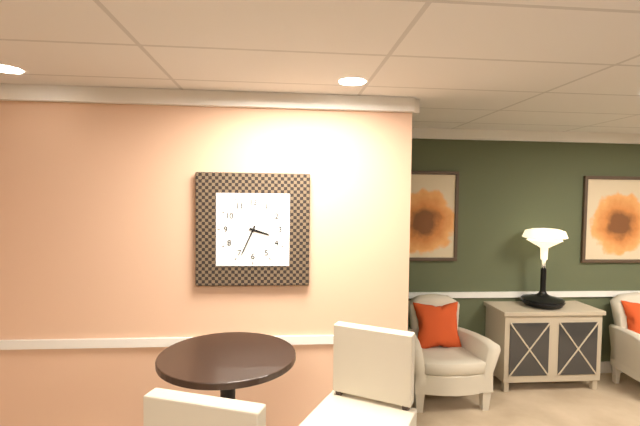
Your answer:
{"hour": 3, "minute": 34}
